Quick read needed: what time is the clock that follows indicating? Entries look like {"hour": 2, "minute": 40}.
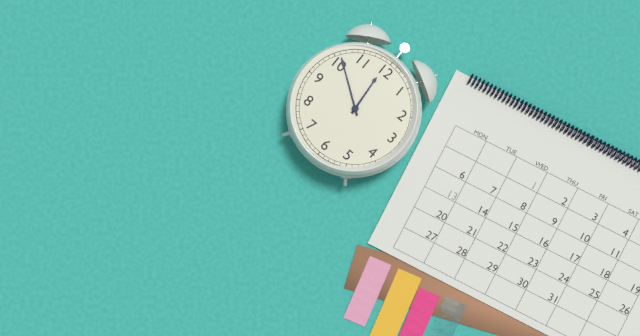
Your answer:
{"hour": 11, "minute": 51}
